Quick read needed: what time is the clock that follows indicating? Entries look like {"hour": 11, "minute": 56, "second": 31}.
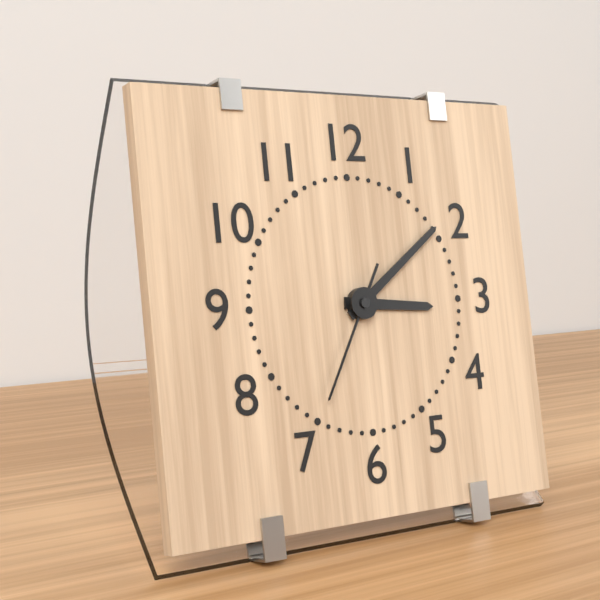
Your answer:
{"hour": 3, "minute": 9, "second": 35}
